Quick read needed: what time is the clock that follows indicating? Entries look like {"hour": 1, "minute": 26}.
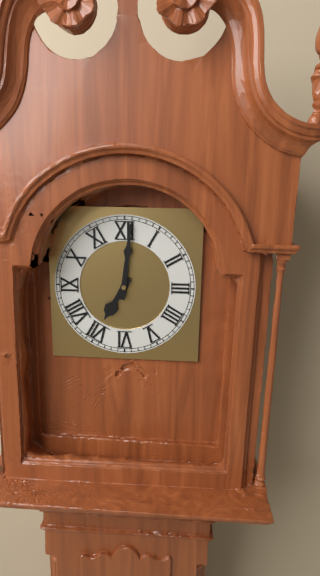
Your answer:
{"hour": 7, "minute": 1}
